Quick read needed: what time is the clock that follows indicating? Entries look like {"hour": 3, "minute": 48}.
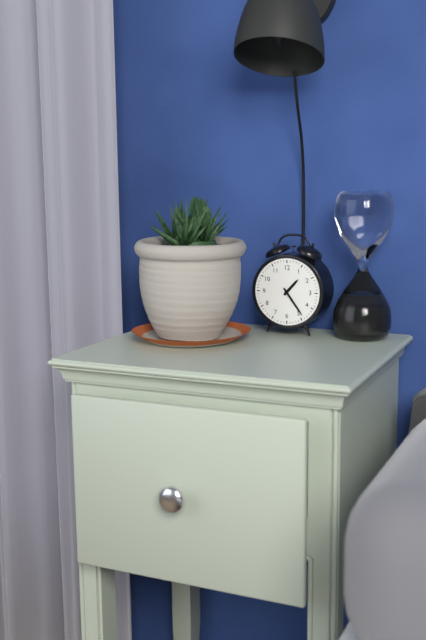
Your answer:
{"hour": 1, "minute": 24}
